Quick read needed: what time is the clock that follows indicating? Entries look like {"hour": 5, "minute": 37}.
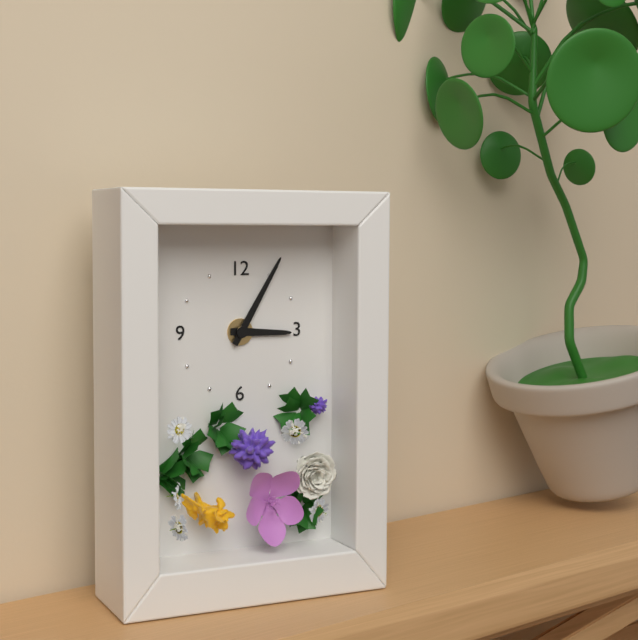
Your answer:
{"hour": 3, "minute": 5}
